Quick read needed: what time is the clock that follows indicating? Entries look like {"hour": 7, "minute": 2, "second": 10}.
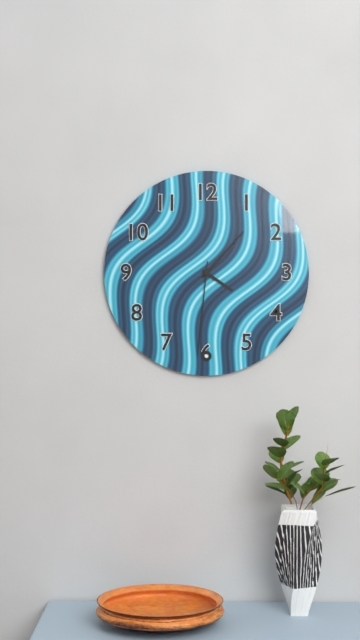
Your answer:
{"hour": 4, "minute": 7, "second": 31}
